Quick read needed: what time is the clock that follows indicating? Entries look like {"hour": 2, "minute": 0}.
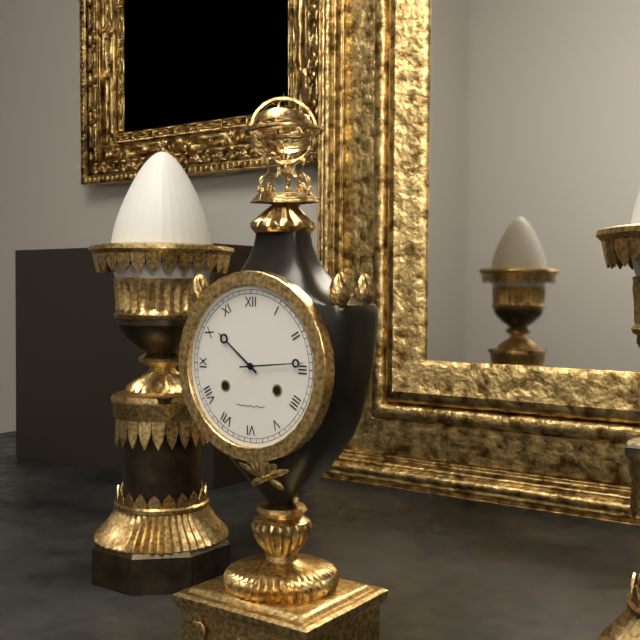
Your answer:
{"hour": 10, "minute": 14}
